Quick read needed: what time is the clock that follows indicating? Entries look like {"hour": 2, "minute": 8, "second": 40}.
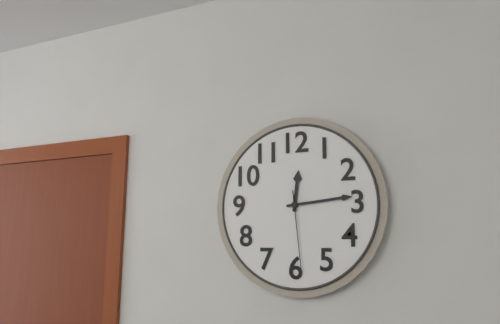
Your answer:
{"hour": 12, "minute": 14, "second": 29}
